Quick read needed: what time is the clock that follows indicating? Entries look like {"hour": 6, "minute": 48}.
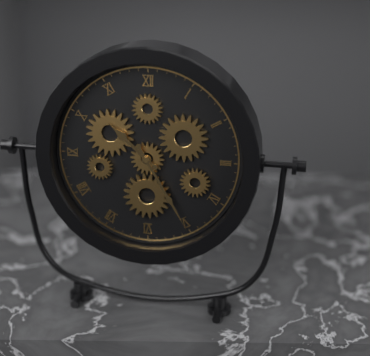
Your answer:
{"hour": 10, "minute": 25}
